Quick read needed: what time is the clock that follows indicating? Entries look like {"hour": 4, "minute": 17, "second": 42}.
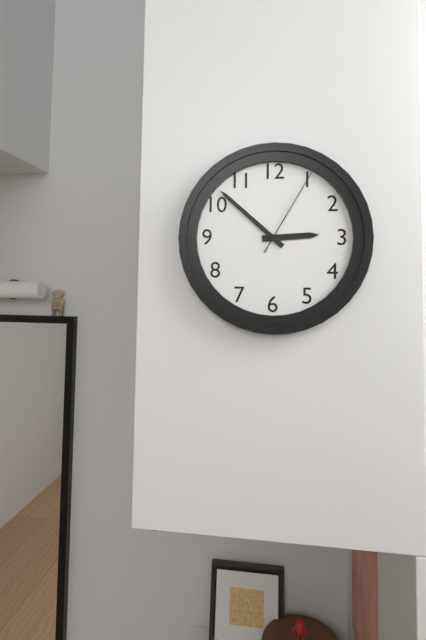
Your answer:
{"hour": 2, "minute": 52, "second": 5}
